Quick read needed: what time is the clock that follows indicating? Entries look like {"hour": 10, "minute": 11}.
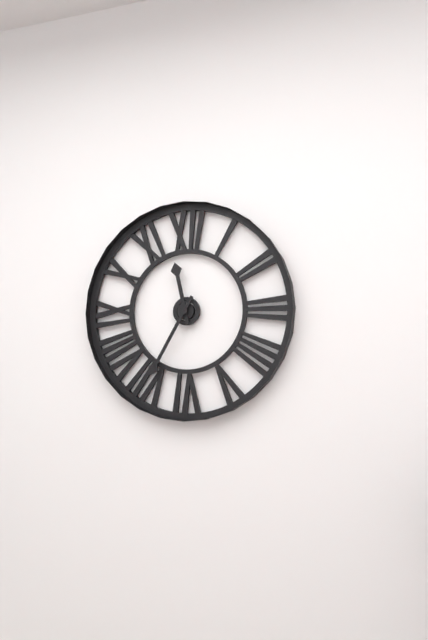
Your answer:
{"hour": 11, "minute": 35}
